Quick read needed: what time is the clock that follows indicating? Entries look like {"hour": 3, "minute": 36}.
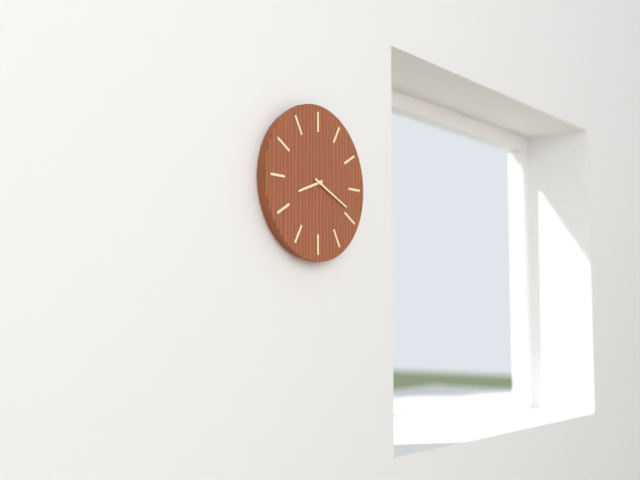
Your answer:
{"hour": 8, "minute": 19}
